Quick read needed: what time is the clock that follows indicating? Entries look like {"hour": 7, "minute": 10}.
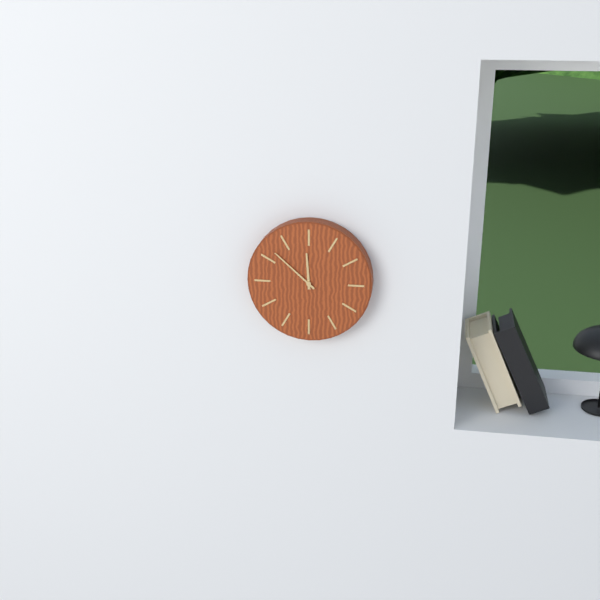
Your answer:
{"hour": 11, "minute": 52}
